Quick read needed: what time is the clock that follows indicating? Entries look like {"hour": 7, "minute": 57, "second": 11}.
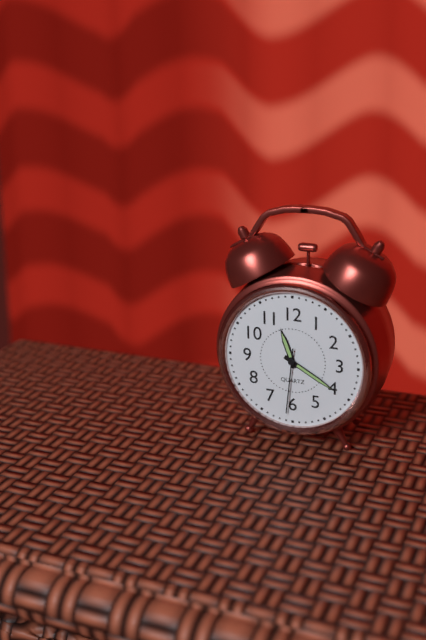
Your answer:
{"hour": 11, "minute": 20, "second": 31}
